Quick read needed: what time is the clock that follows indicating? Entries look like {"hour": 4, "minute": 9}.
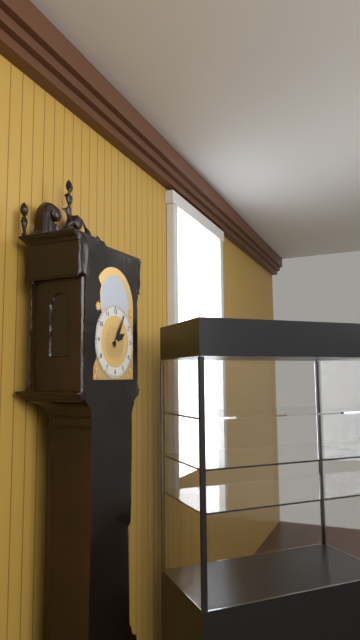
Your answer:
{"hour": 2, "minute": 5}
